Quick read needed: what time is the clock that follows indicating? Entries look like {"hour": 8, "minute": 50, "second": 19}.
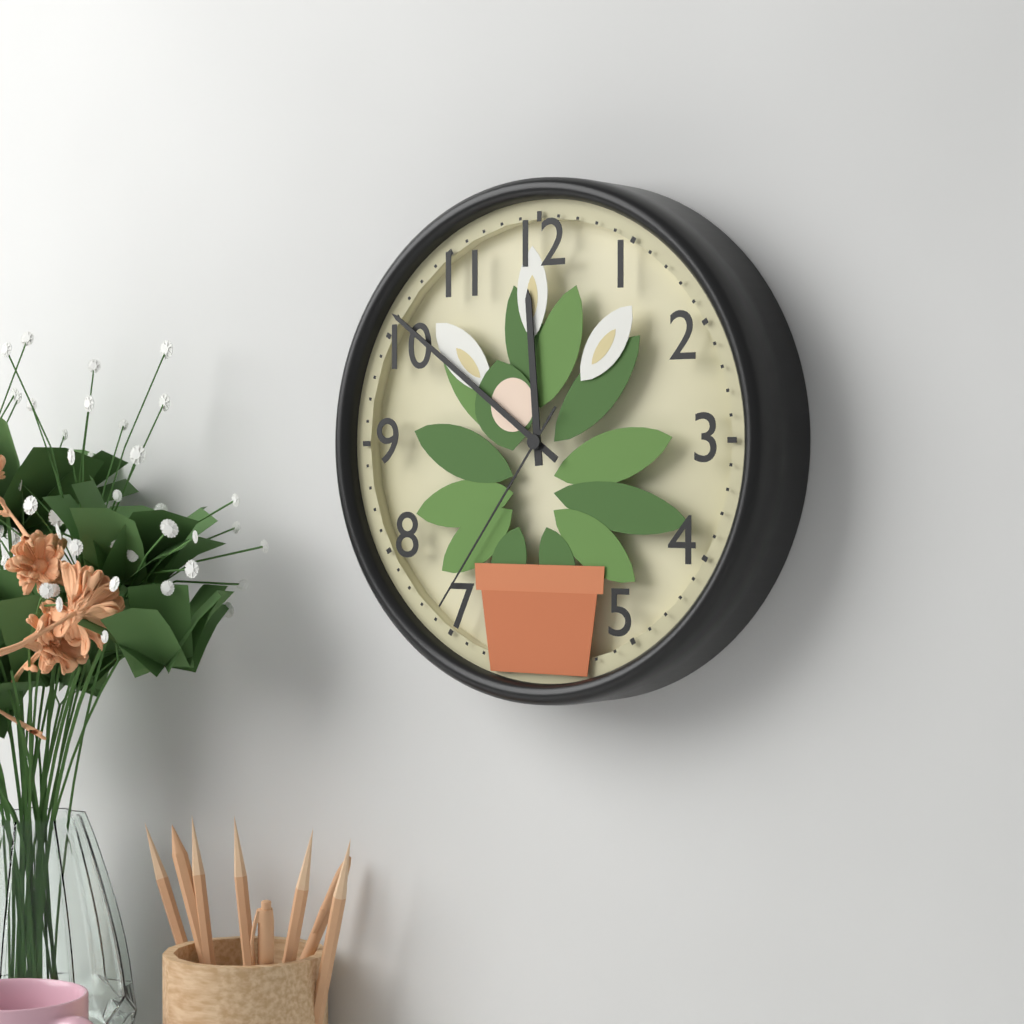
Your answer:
{"hour": 11, "minute": 51, "second": 36}
